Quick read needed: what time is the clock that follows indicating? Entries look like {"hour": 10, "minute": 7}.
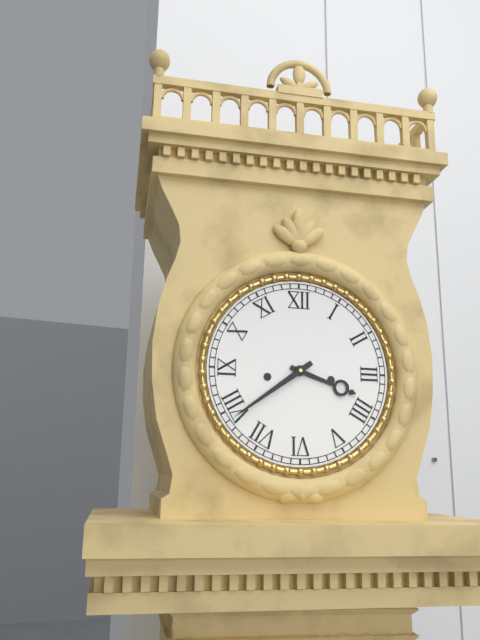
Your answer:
{"hour": 3, "minute": 39}
